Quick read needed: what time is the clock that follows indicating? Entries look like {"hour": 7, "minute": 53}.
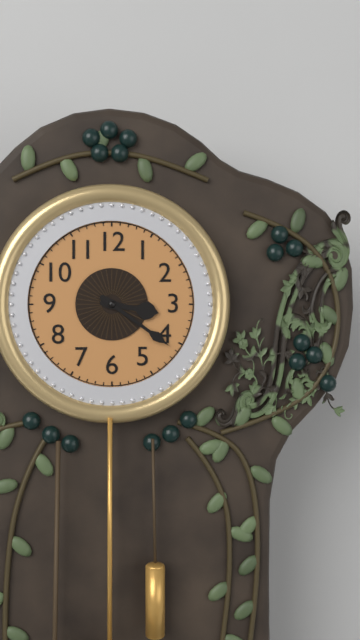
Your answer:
{"hour": 3, "minute": 21}
